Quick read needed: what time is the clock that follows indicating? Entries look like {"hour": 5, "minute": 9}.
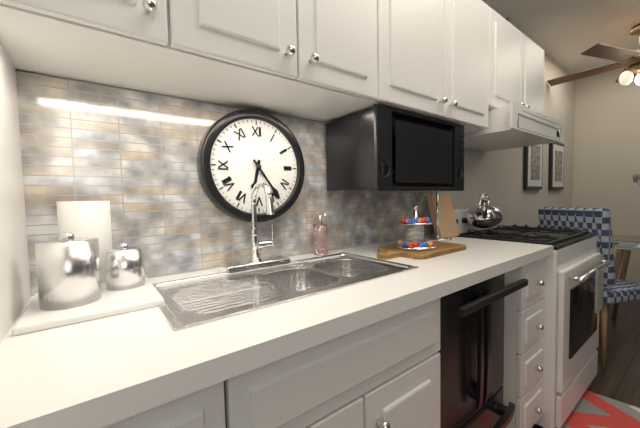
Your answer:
{"hour": 6, "minute": 24}
